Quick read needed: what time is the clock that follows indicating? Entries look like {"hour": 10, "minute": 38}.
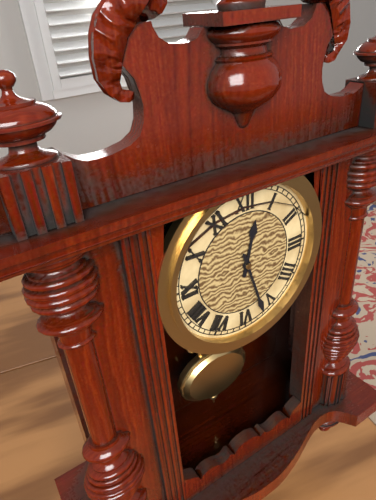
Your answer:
{"hour": 12, "minute": 27}
